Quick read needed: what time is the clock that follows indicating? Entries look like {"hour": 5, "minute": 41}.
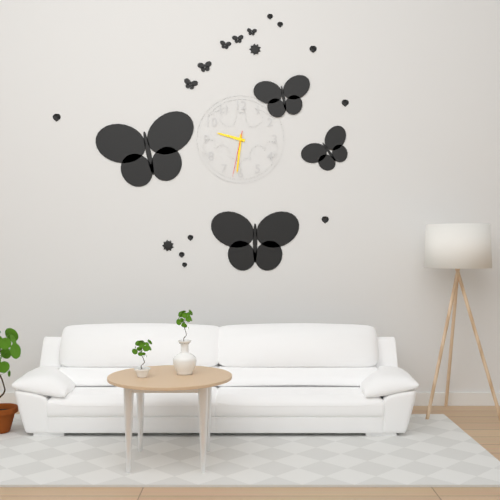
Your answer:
{"hour": 9, "minute": 31}
